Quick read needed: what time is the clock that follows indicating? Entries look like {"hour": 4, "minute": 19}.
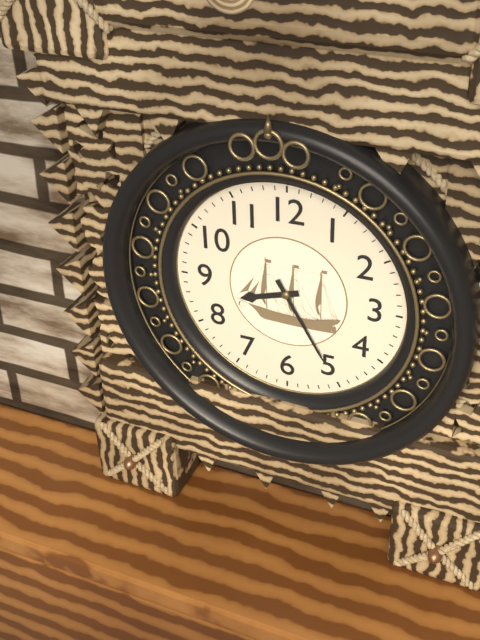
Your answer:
{"hour": 8, "minute": 25}
